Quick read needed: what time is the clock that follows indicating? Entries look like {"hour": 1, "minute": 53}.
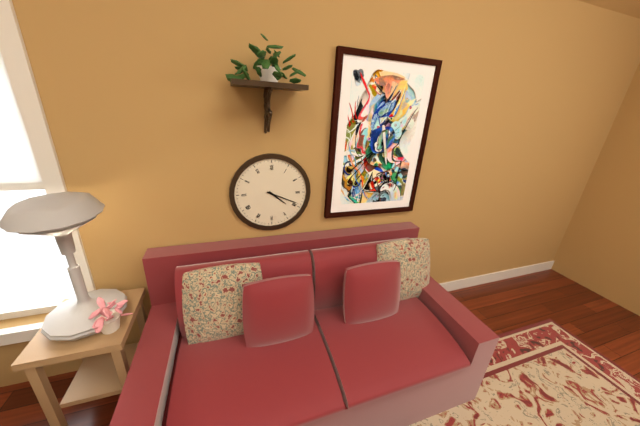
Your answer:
{"hour": 4, "minute": 19}
